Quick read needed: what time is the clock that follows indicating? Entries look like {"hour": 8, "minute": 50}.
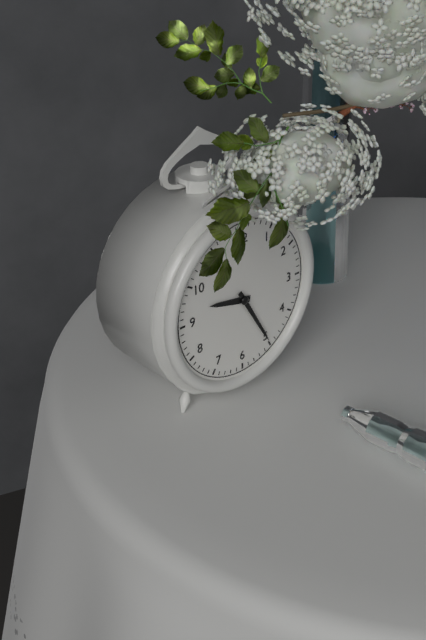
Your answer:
{"hour": 9, "minute": 25}
